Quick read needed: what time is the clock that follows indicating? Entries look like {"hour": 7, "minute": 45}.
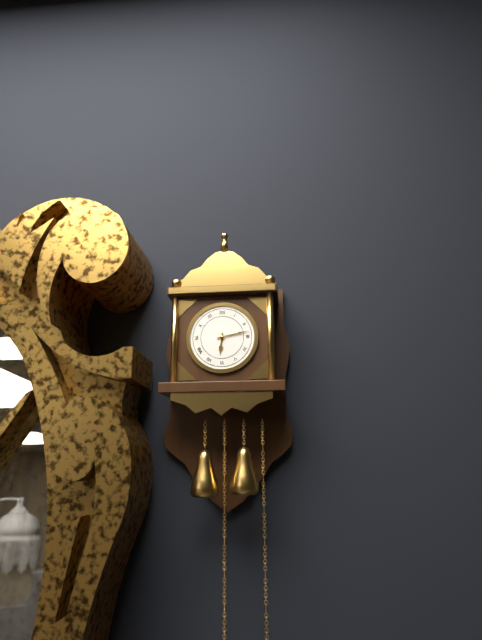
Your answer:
{"hour": 6, "minute": 13}
